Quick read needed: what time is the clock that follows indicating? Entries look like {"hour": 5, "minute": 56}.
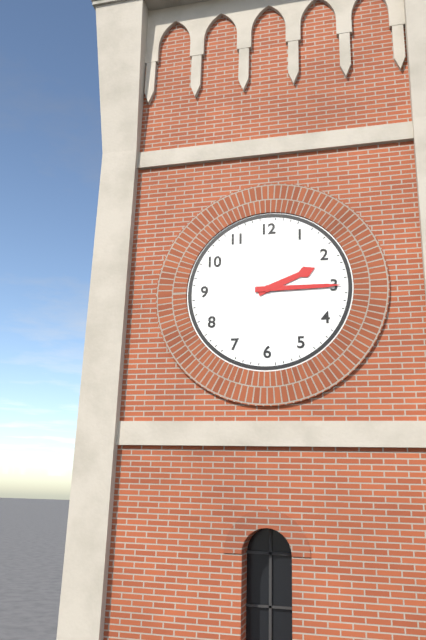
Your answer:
{"hour": 2, "minute": 15}
